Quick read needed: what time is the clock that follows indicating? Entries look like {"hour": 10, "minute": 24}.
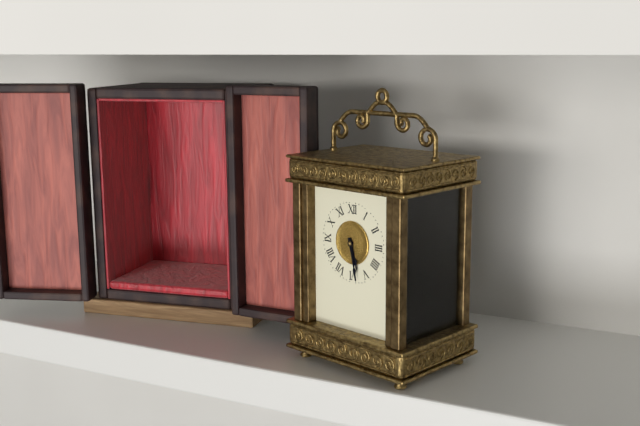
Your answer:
{"hour": 5, "minute": 28}
